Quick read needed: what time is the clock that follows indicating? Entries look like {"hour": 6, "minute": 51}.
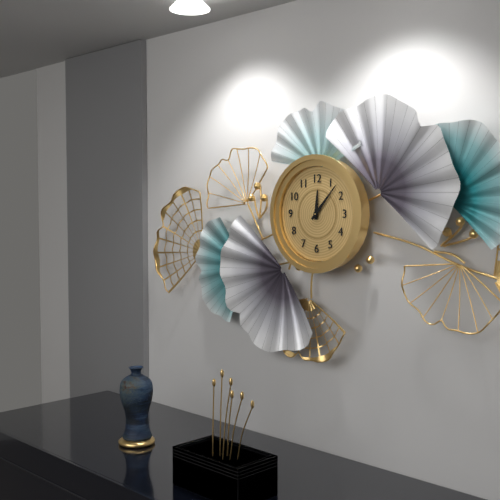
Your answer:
{"hour": 12, "minute": 7}
